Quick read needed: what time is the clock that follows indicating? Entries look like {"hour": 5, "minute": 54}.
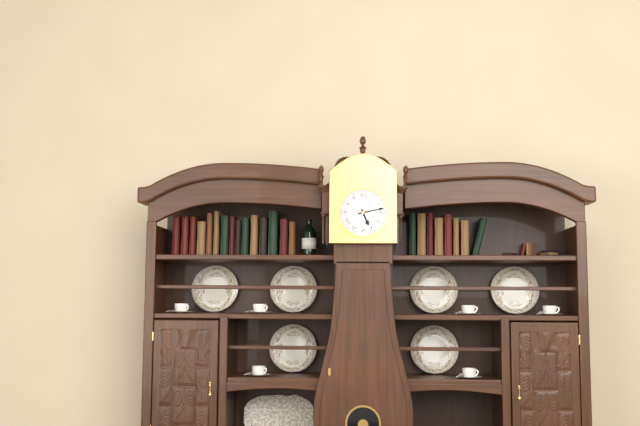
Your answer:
{"hour": 5, "minute": 13}
